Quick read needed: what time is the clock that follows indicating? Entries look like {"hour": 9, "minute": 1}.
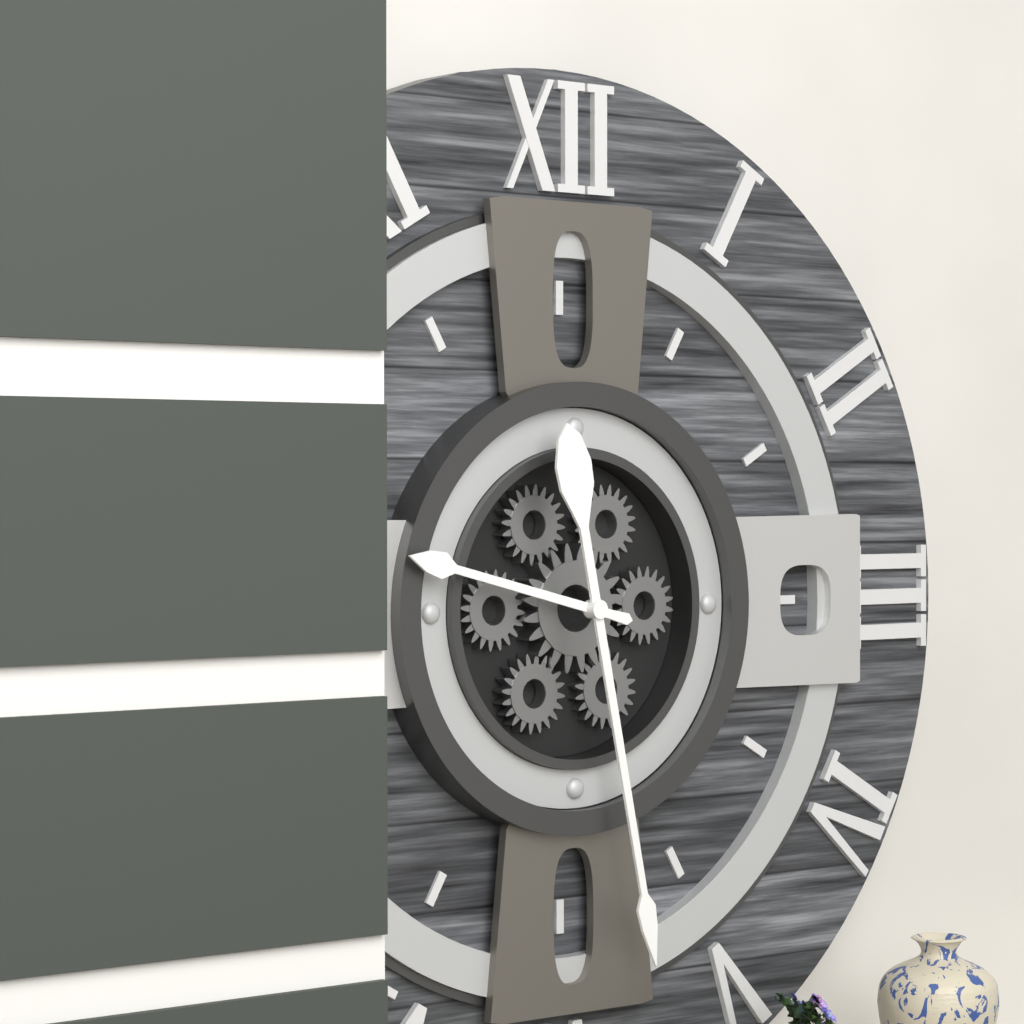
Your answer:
{"hour": 9, "minute": 28}
